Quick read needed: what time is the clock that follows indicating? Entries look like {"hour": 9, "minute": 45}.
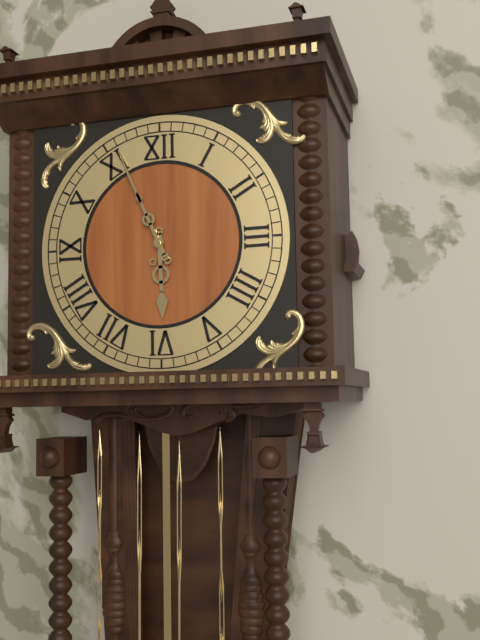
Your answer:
{"hour": 5, "minute": 56}
